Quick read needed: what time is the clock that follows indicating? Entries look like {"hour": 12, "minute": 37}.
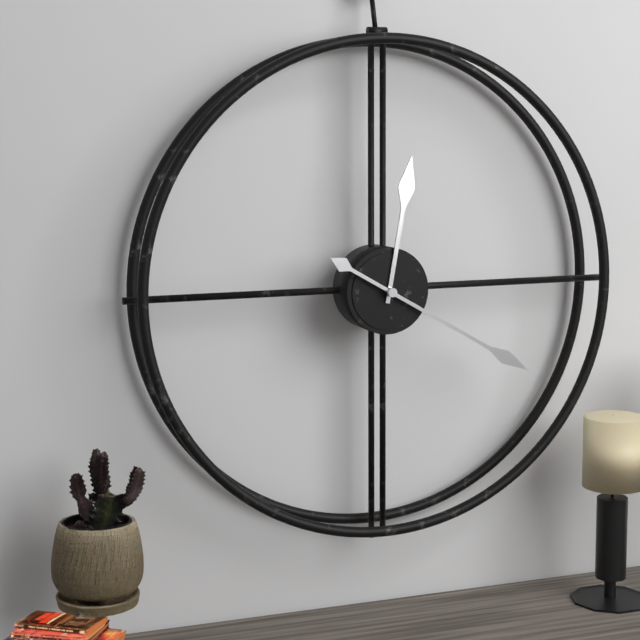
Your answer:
{"hour": 12, "minute": 20}
